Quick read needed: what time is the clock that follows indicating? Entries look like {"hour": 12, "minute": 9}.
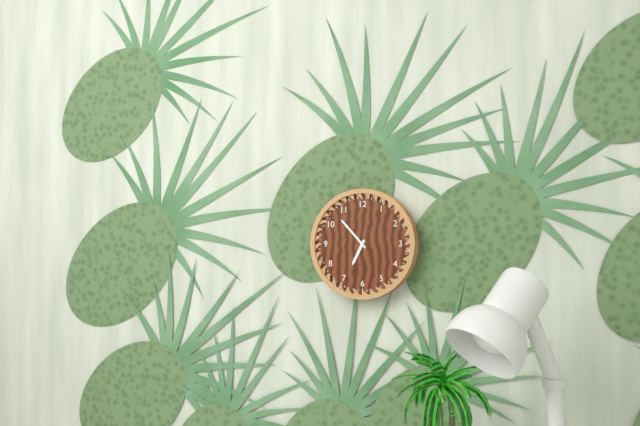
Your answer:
{"hour": 6, "minute": 53}
